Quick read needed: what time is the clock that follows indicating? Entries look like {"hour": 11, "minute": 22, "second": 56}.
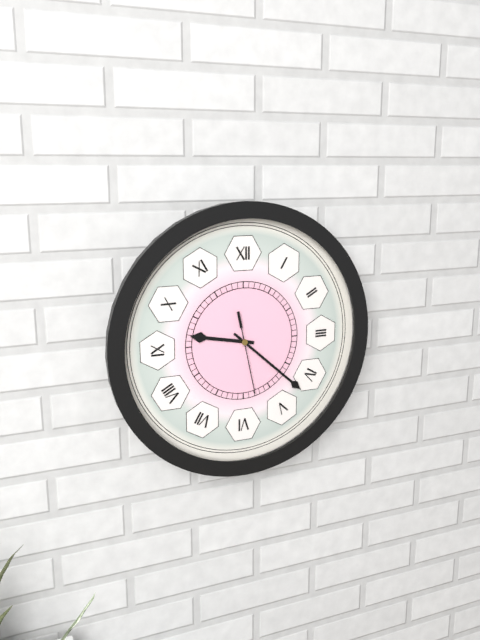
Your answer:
{"hour": 9, "minute": 22, "second": 28}
